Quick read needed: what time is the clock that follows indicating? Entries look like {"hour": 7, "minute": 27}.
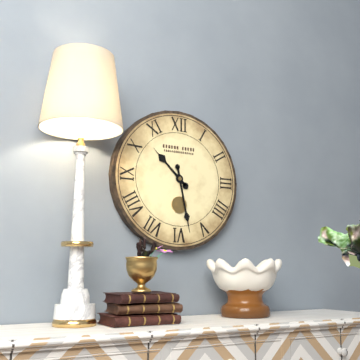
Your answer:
{"hour": 10, "minute": 28}
